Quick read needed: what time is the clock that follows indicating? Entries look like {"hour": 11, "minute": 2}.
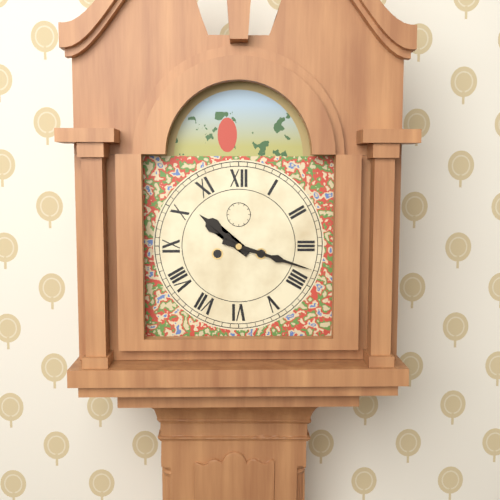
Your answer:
{"hour": 10, "minute": 18}
